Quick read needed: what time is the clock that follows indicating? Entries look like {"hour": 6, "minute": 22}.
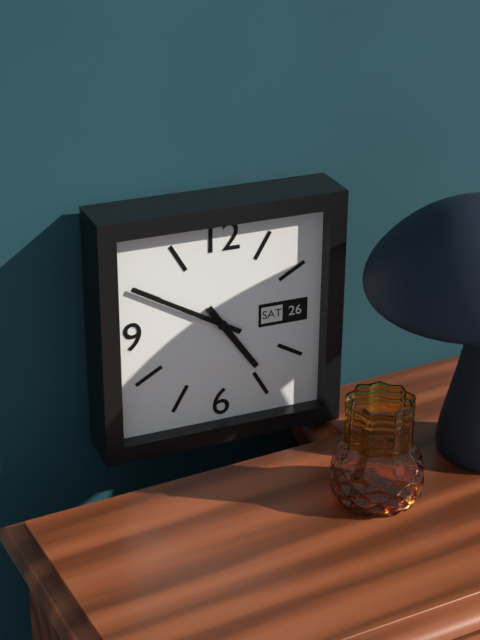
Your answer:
{"hour": 4, "minute": 50}
